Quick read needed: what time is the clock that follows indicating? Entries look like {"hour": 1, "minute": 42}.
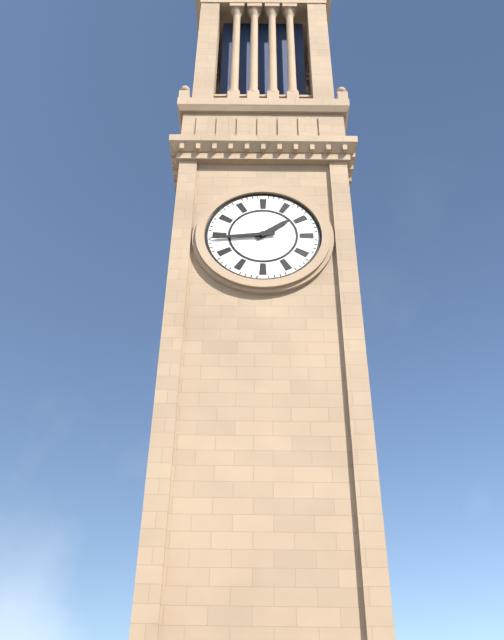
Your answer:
{"hour": 1, "minute": 44}
